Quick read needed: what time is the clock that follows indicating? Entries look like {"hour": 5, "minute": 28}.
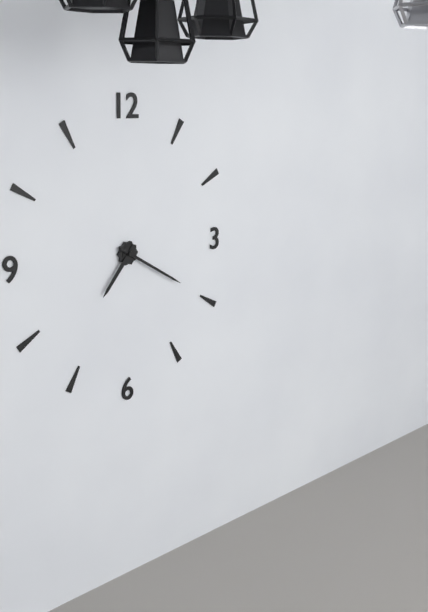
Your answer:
{"hour": 7, "minute": 20}
